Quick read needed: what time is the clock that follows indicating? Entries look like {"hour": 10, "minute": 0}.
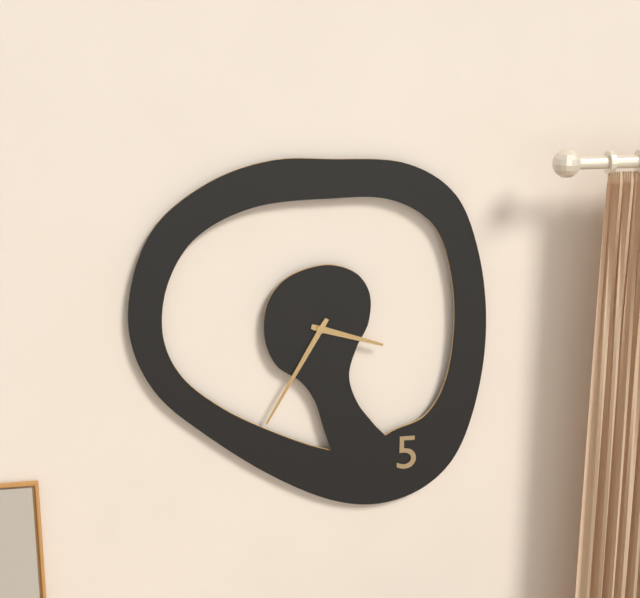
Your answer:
{"hour": 3, "minute": 35}
